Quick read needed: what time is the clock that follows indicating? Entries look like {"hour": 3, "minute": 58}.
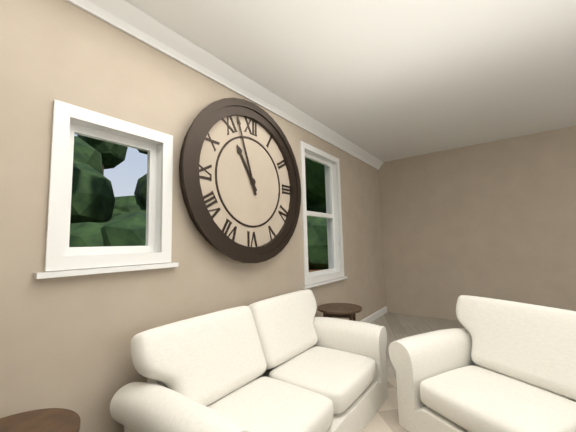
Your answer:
{"hour": 10, "minute": 57}
